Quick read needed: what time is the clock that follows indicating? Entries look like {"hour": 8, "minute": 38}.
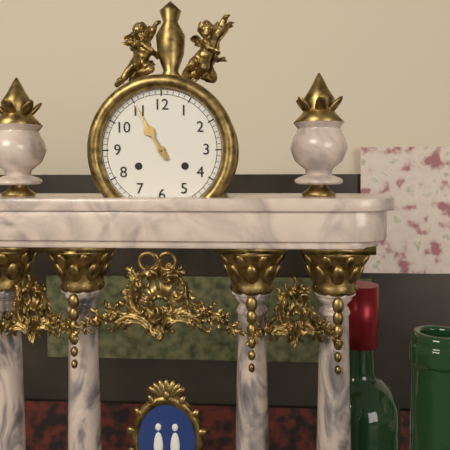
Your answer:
{"hour": 10, "minute": 55}
